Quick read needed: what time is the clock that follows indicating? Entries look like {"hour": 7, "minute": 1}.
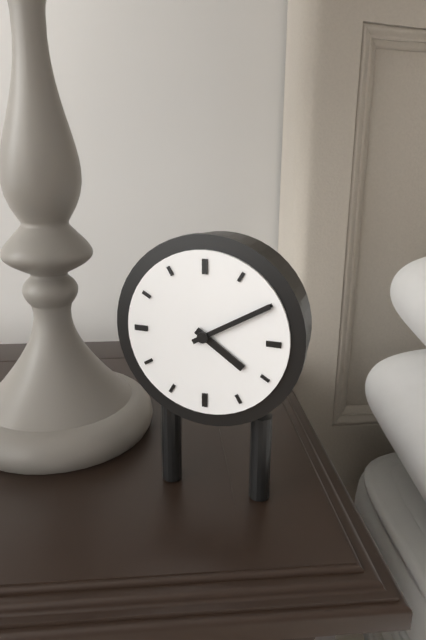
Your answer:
{"hour": 4, "minute": 10}
